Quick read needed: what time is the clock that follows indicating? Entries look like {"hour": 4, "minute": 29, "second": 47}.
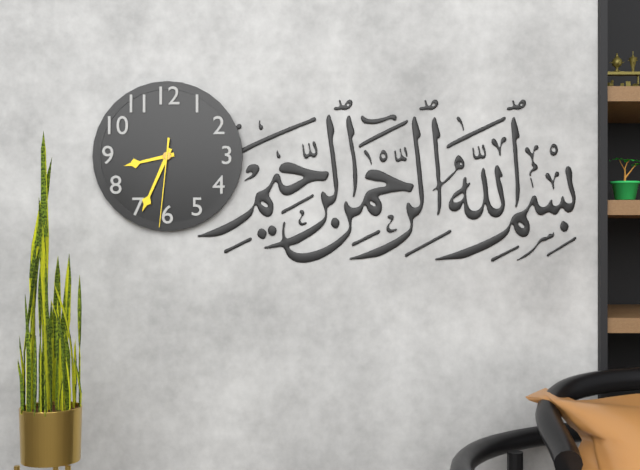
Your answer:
{"hour": 8, "minute": 34, "second": 31}
